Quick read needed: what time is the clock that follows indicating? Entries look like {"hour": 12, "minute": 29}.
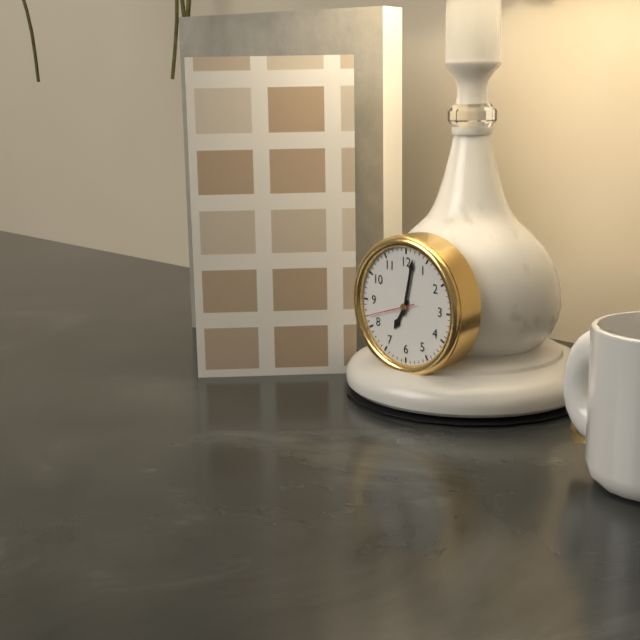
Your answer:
{"hour": 7, "minute": 2}
